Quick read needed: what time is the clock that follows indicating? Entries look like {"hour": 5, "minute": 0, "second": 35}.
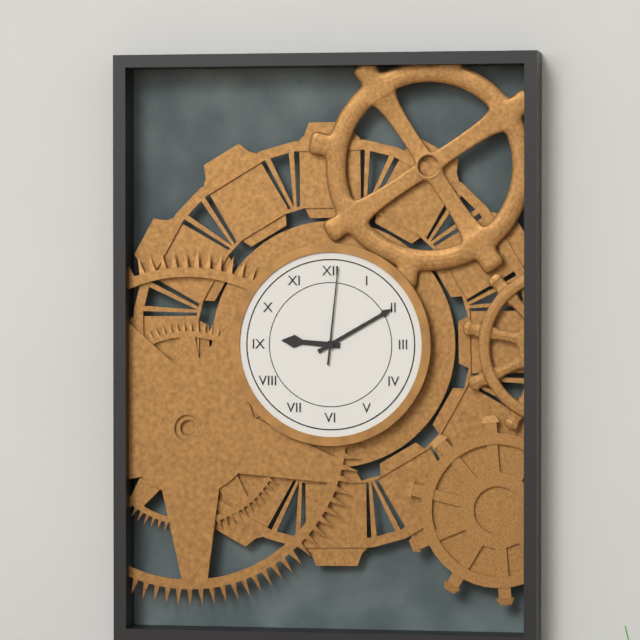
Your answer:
{"hour": 9, "minute": 10, "second": 1}
